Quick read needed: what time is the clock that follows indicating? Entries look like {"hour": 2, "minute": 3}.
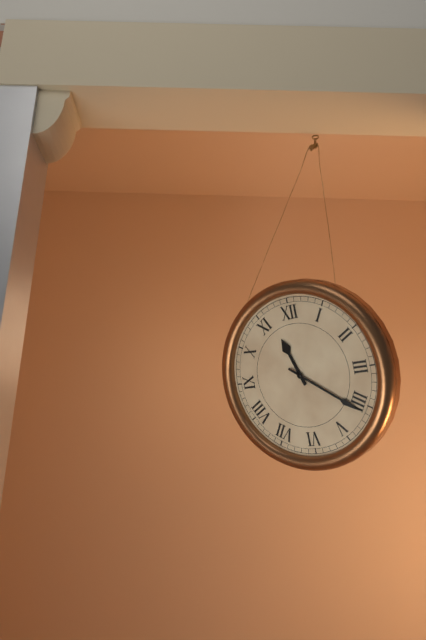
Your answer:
{"hour": 11, "minute": 21}
